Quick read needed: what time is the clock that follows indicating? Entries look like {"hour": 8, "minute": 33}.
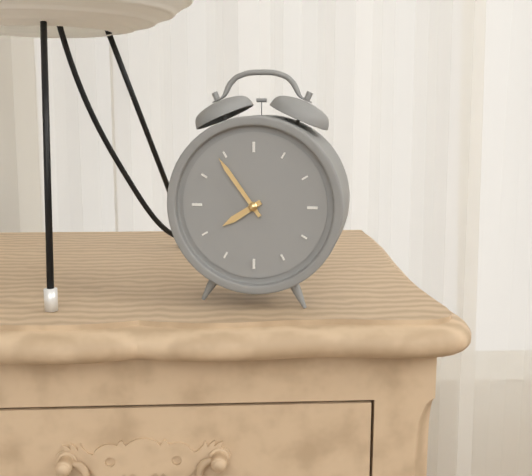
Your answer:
{"hour": 7, "minute": 54}
